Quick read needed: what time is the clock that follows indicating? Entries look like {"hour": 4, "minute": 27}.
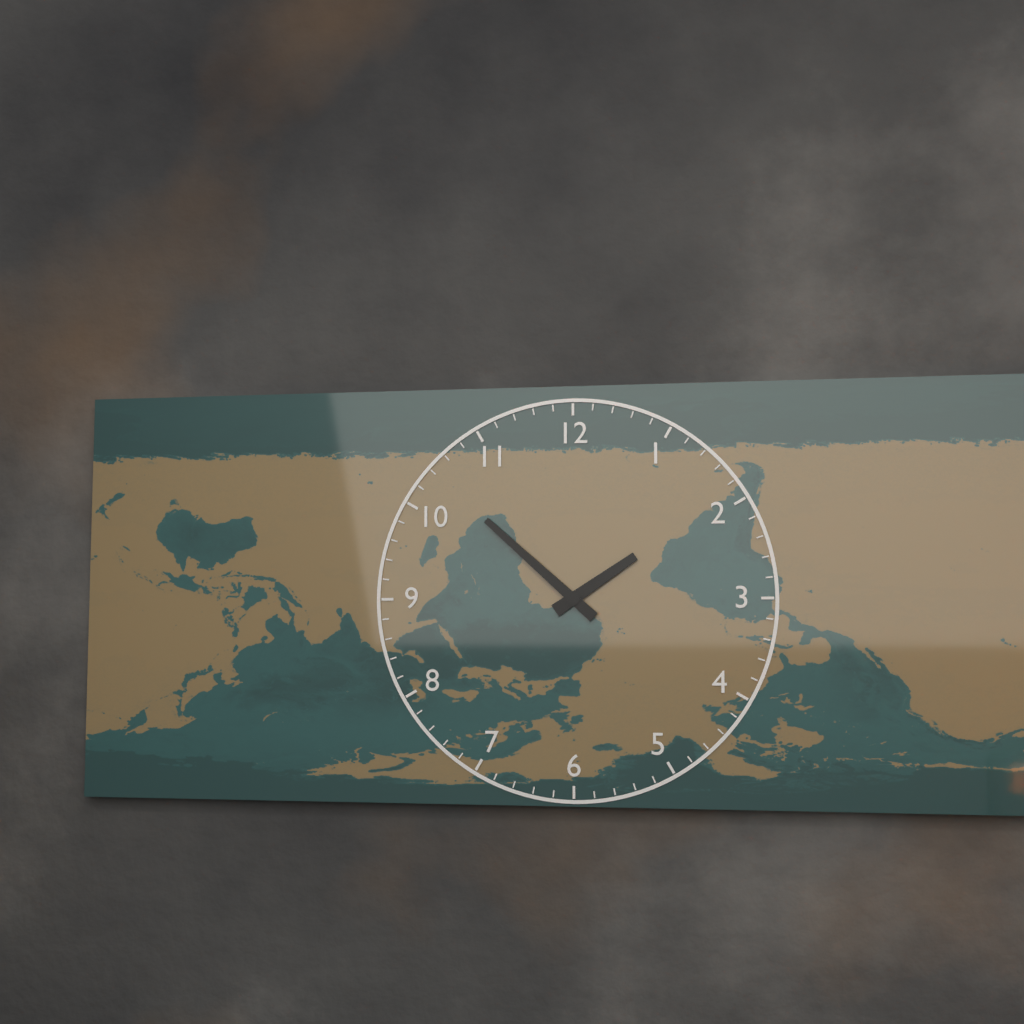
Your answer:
{"hour": 1, "minute": 52}
